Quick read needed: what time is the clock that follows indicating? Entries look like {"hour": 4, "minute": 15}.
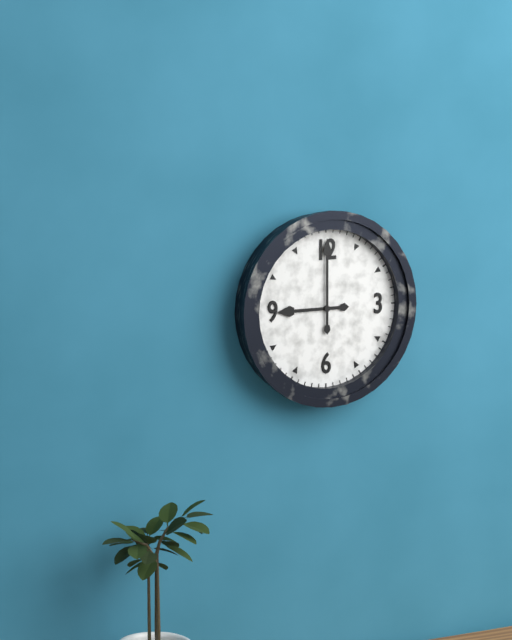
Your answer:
{"hour": 9, "minute": 0}
